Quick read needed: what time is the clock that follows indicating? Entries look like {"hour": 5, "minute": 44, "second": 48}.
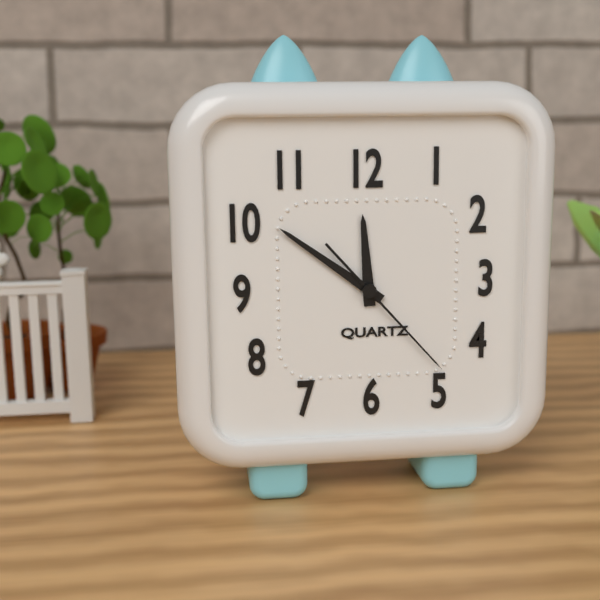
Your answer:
{"hour": 11, "minute": 51, "second": 23}
